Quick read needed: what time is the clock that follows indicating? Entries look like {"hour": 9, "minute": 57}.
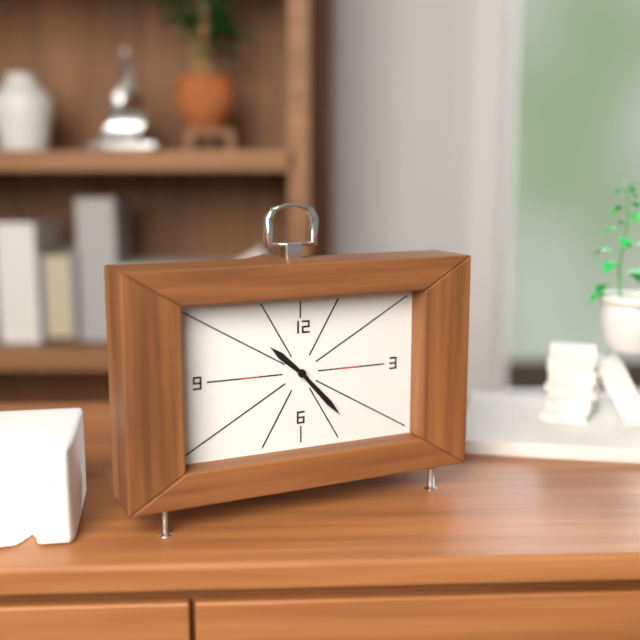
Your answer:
{"hour": 10, "minute": 23}
